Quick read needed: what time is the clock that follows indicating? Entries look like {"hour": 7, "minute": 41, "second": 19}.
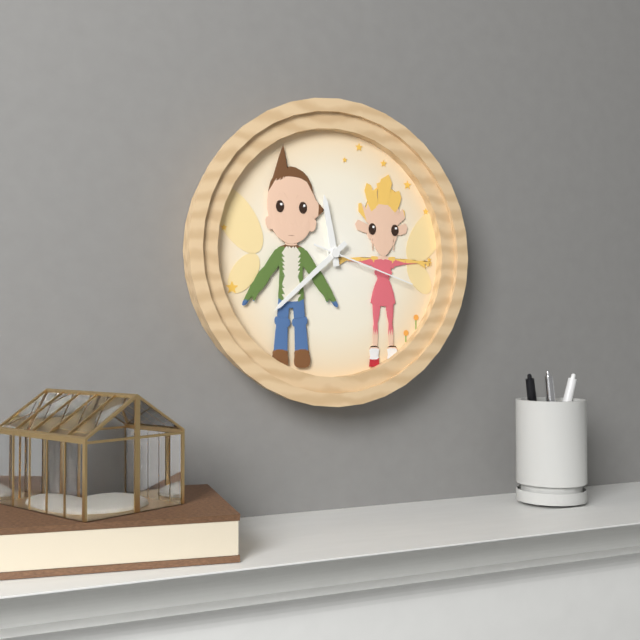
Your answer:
{"hour": 11, "minute": 38, "second": 18}
